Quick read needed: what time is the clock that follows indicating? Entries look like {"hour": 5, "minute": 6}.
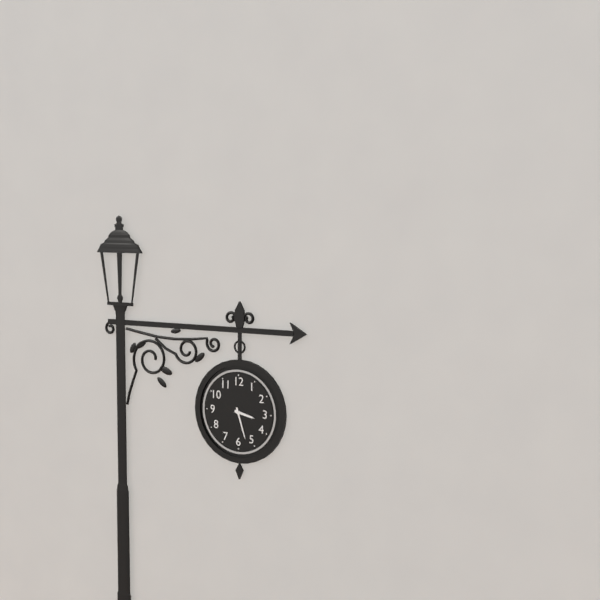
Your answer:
{"hour": 3, "minute": 27}
